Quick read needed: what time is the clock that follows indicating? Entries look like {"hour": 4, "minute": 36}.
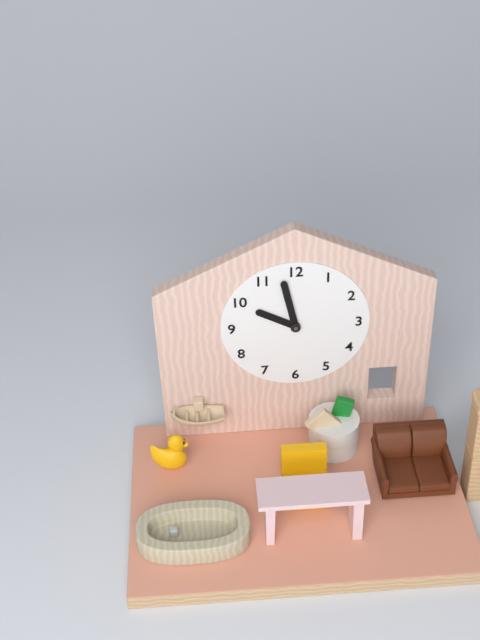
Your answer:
{"hour": 9, "minute": 58}
